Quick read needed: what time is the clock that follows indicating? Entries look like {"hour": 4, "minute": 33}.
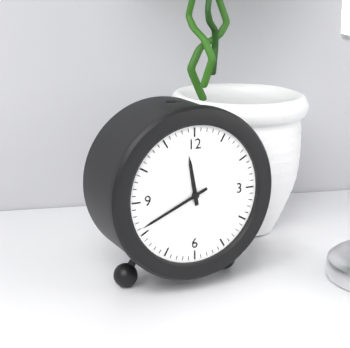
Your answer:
{"hour": 11, "minute": 41}
